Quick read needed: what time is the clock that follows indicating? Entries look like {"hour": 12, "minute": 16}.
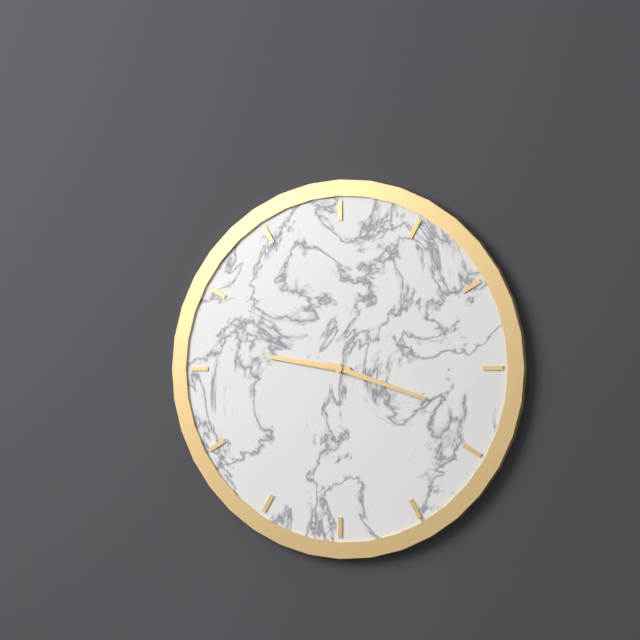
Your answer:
{"hour": 9, "minute": 18}
